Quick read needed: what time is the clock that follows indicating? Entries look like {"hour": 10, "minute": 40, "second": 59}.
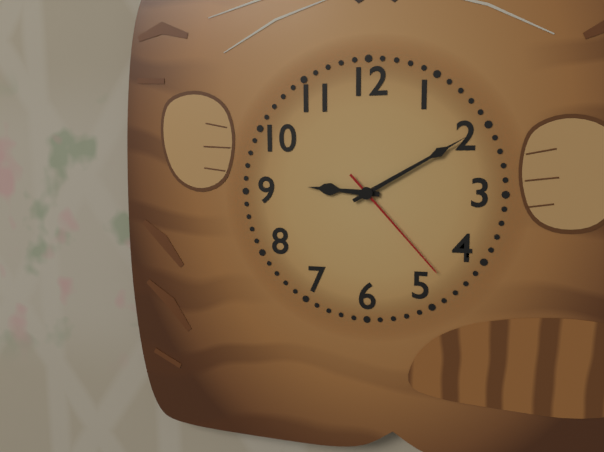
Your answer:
{"hour": 9, "minute": 10, "second": 23}
